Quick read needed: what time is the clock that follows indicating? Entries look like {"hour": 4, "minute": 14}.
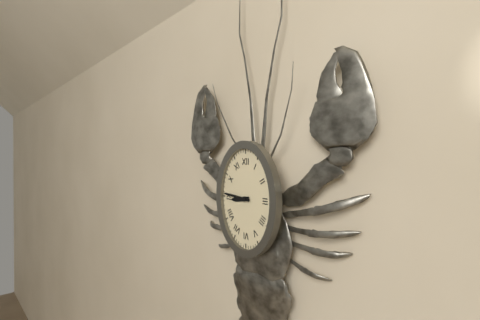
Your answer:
{"hour": 8, "minute": 46}
